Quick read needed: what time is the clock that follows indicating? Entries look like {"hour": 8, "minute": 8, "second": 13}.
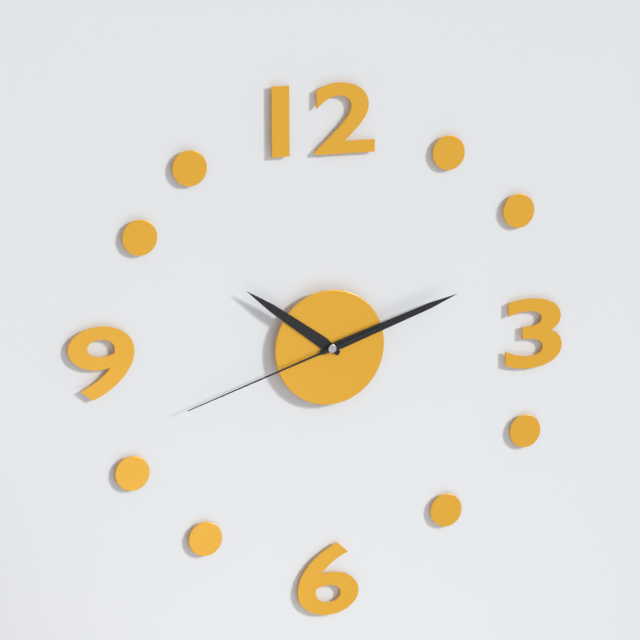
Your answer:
{"hour": 10, "minute": 12, "second": 42}
